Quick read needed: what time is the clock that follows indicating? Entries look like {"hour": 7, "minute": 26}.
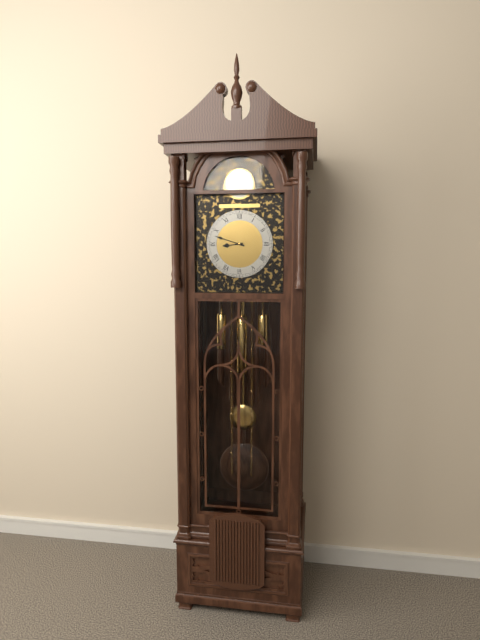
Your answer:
{"hour": 8, "minute": 48}
